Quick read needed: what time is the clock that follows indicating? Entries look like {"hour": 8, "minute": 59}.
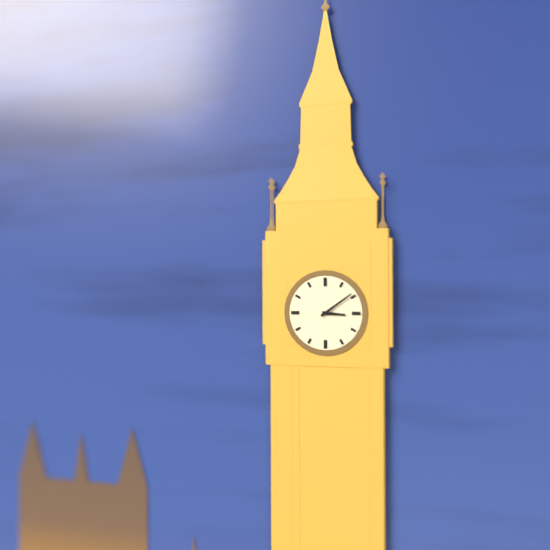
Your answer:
{"hour": 3, "minute": 9}
